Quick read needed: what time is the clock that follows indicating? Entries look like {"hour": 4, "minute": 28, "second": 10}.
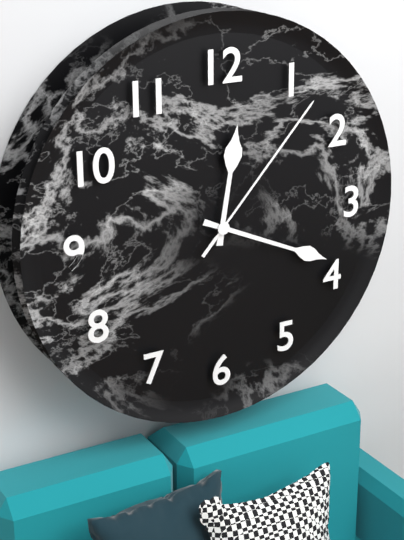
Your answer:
{"hour": 12, "minute": 19, "second": 7}
